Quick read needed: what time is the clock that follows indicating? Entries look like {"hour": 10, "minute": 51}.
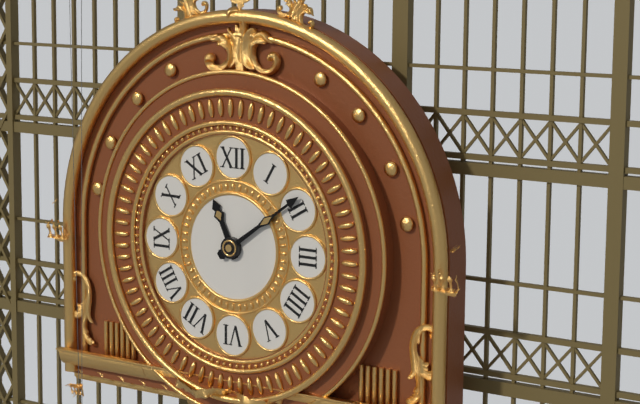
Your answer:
{"hour": 11, "minute": 9}
